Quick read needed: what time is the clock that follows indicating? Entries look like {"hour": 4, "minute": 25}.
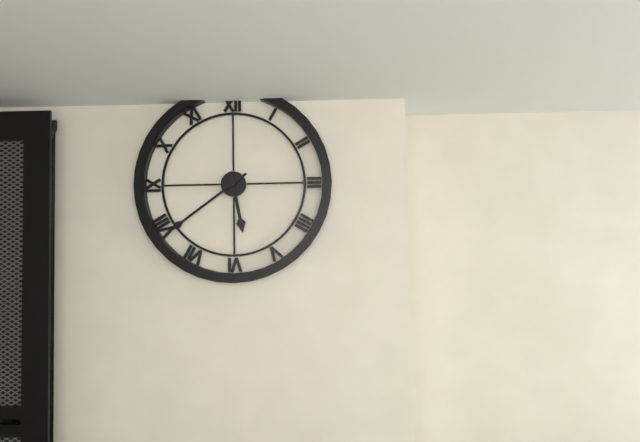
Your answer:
{"hour": 5, "minute": 39}
